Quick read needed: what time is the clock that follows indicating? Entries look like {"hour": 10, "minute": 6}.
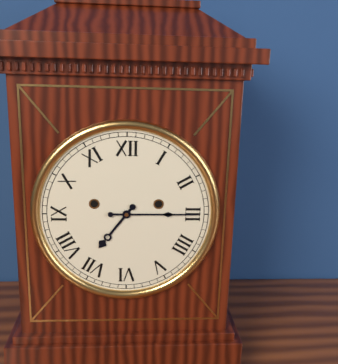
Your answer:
{"hour": 7, "minute": 15}
